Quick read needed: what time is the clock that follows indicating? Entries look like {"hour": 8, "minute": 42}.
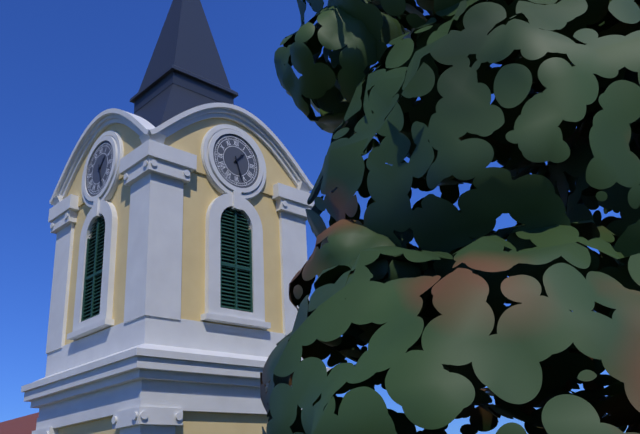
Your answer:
{"hour": 1, "minute": 27}
